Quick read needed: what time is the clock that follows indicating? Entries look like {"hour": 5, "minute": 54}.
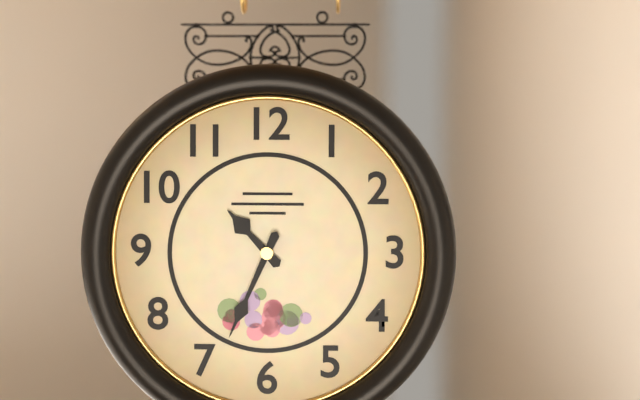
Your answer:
{"hour": 10, "minute": 34}
